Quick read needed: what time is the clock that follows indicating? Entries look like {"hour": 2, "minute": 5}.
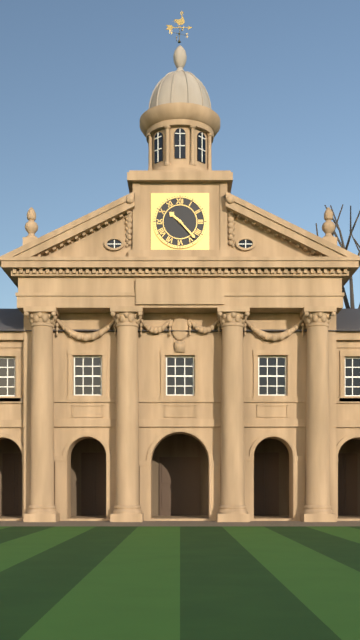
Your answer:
{"hour": 10, "minute": 23}
